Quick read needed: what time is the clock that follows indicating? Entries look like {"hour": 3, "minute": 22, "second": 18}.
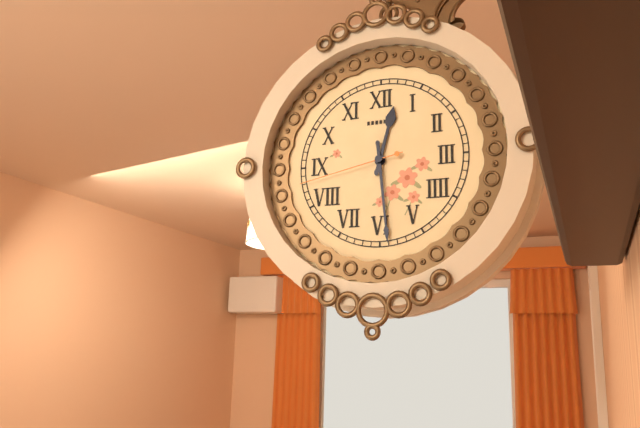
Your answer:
{"hour": 12, "minute": 29, "second": 43}
